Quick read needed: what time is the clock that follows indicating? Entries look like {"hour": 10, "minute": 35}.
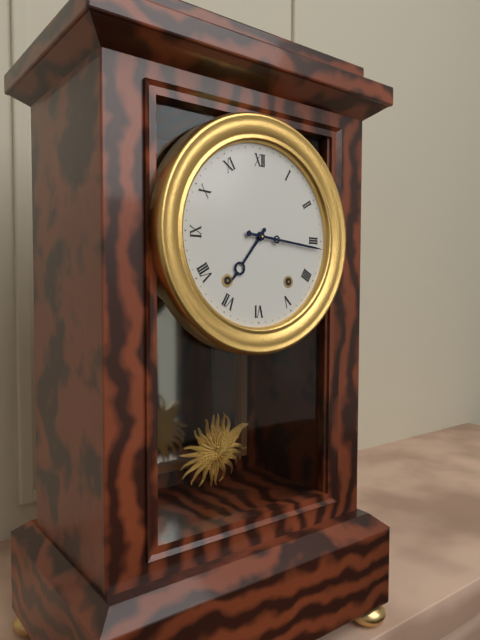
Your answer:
{"hour": 7, "minute": 16}
